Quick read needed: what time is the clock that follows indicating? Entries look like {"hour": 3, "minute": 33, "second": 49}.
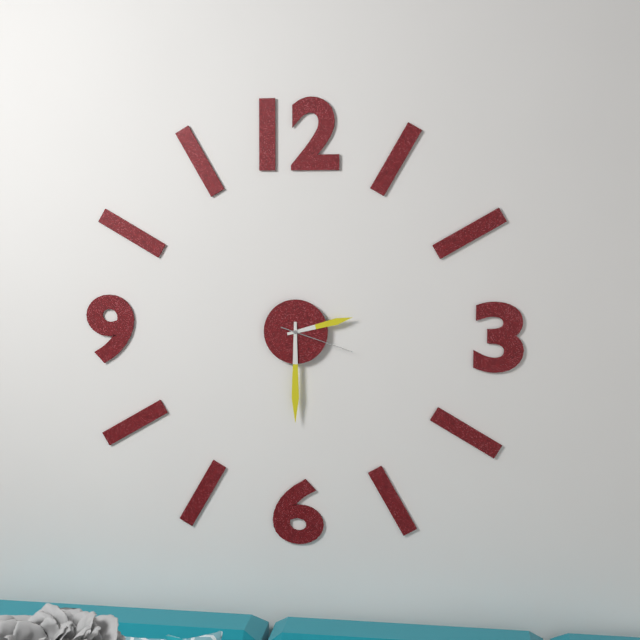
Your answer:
{"hour": 2, "minute": 30, "second": 18}
